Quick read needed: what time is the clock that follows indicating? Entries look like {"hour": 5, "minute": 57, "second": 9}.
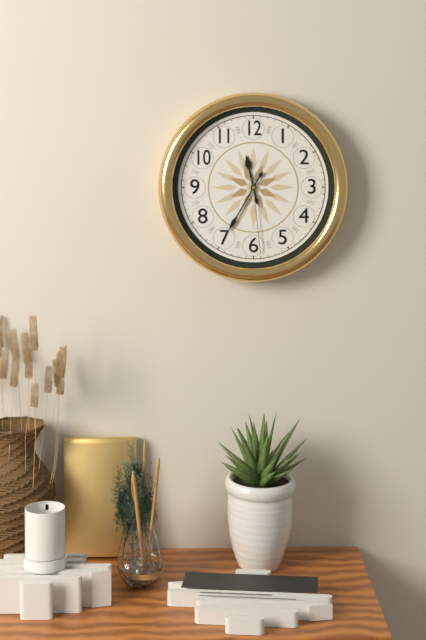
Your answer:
{"hour": 11, "minute": 35, "second": 29}
